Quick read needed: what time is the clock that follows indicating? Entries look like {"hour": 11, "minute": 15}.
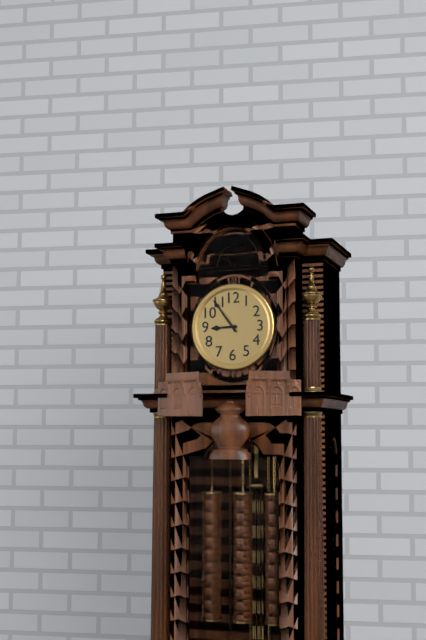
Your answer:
{"hour": 8, "minute": 54}
